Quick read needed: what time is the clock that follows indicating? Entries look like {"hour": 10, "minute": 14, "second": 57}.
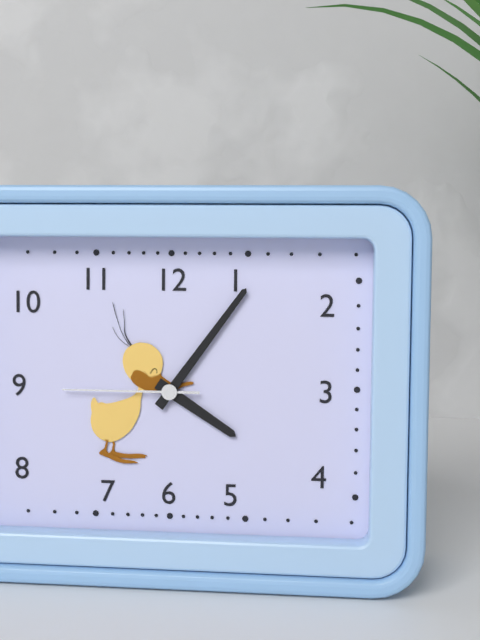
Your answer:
{"hour": 4, "minute": 6, "second": 45}
